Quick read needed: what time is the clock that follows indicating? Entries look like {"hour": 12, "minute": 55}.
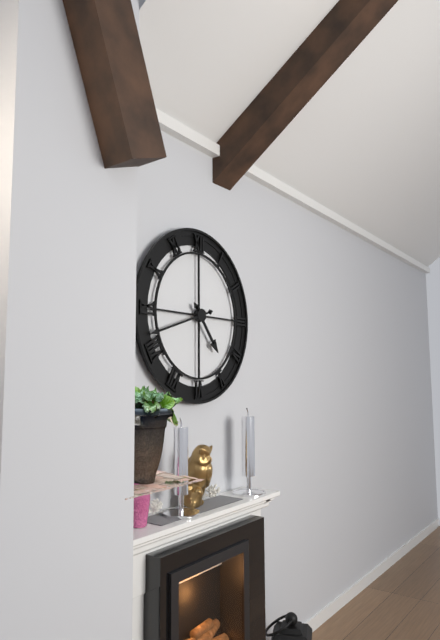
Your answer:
{"hour": 4, "minute": 42}
